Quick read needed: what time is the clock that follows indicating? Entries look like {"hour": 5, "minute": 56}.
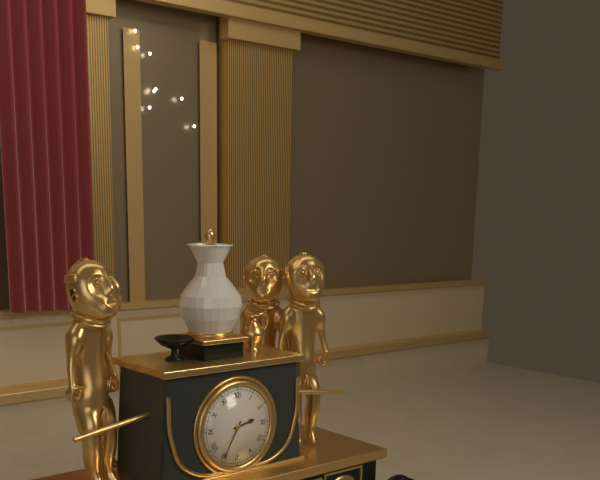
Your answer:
{"hour": 2, "minute": 35}
